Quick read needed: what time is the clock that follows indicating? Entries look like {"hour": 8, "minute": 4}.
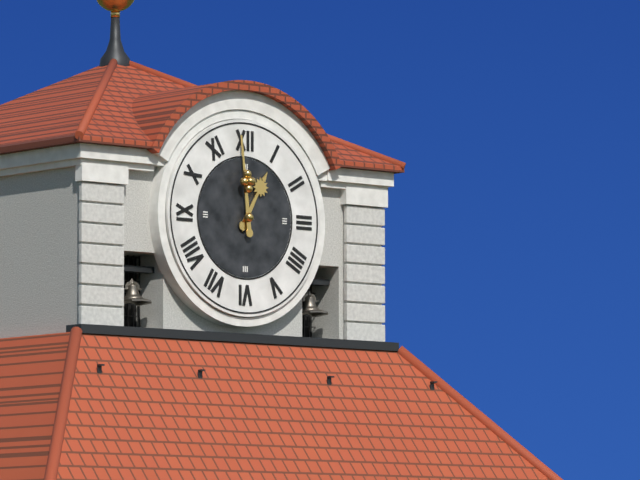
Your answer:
{"hour": 12, "minute": 59}
